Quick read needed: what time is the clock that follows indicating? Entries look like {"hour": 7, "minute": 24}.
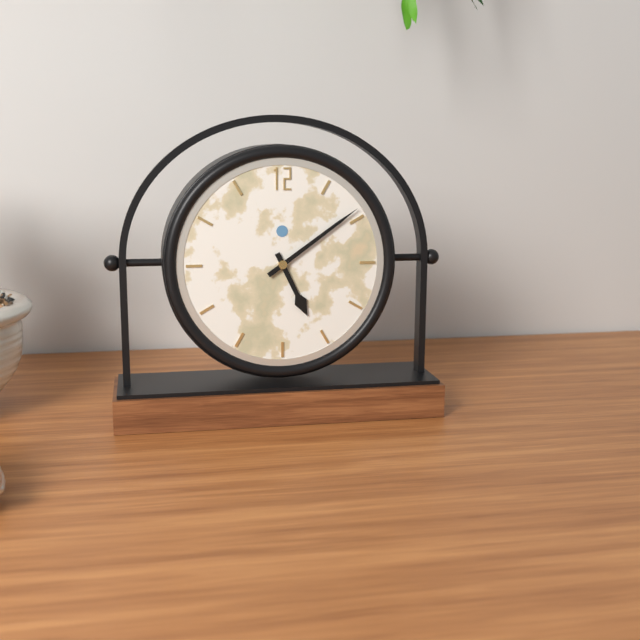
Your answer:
{"hour": 5, "minute": 9}
